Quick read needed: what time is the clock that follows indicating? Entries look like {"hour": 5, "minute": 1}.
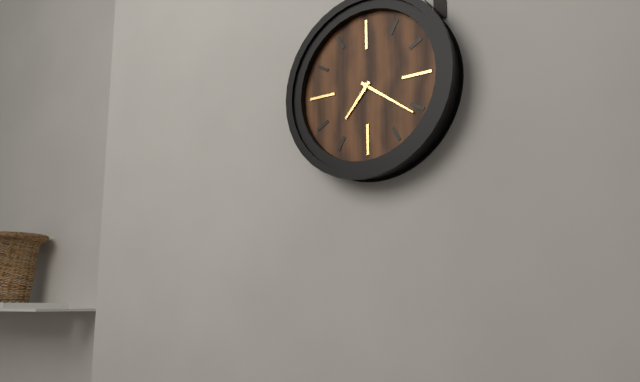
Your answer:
{"hour": 7, "minute": 21}
